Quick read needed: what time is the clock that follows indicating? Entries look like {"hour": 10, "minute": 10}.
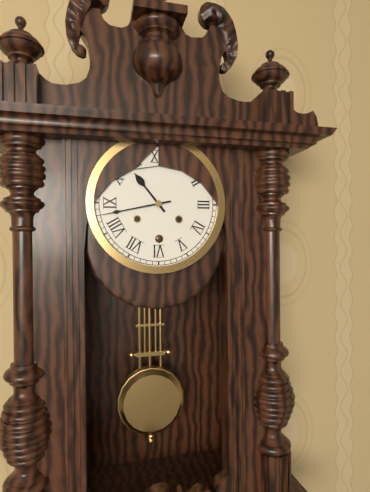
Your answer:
{"hour": 10, "minute": 43}
